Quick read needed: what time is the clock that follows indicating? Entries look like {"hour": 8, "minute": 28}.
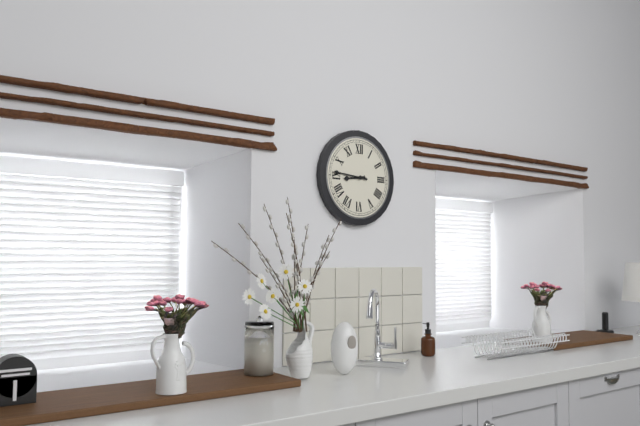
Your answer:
{"hour": 8, "minute": 46}
